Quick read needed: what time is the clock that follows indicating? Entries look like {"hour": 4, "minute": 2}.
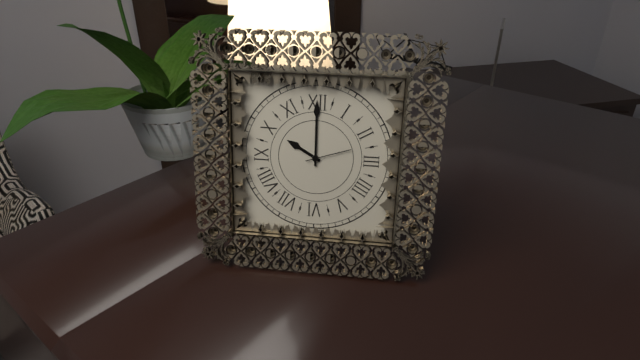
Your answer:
{"hour": 10, "minute": 0}
